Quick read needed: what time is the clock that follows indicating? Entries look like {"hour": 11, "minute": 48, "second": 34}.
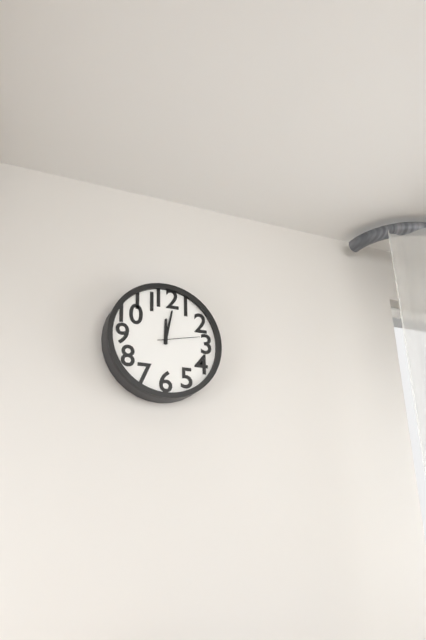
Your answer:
{"hour": 12, "minute": 2, "second": 13}
